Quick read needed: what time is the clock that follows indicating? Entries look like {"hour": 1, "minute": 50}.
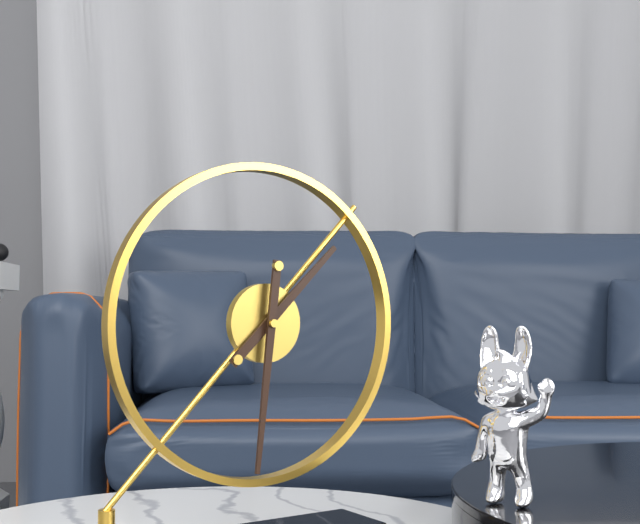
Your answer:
{"hour": 1, "minute": 31}
